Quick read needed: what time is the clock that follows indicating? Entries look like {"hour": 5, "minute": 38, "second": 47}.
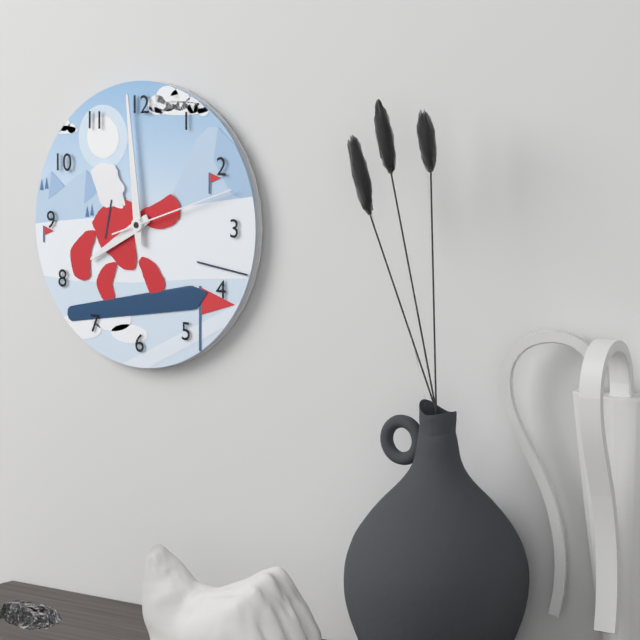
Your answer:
{"hour": 7, "minute": 59, "second": 12}
